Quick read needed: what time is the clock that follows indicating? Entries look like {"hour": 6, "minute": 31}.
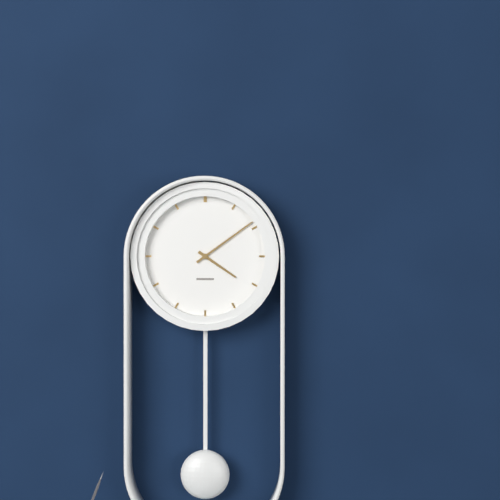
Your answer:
{"hour": 4, "minute": 9}
